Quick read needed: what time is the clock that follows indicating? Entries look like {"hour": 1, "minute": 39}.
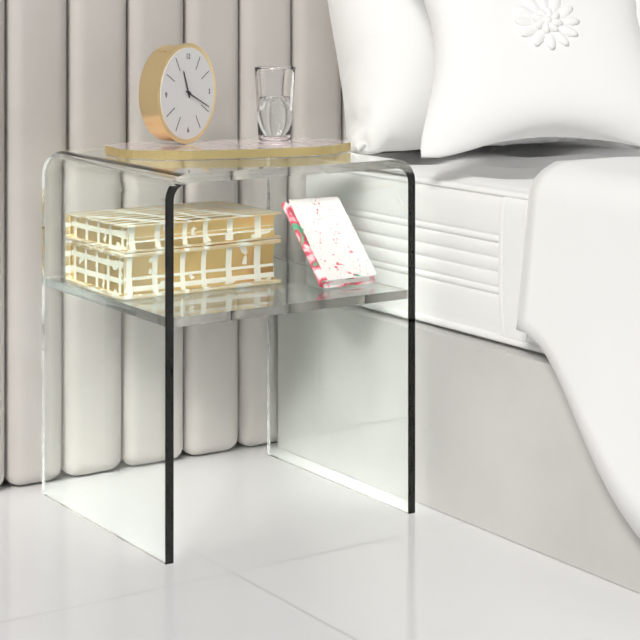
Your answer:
{"hour": 11, "minute": 19}
